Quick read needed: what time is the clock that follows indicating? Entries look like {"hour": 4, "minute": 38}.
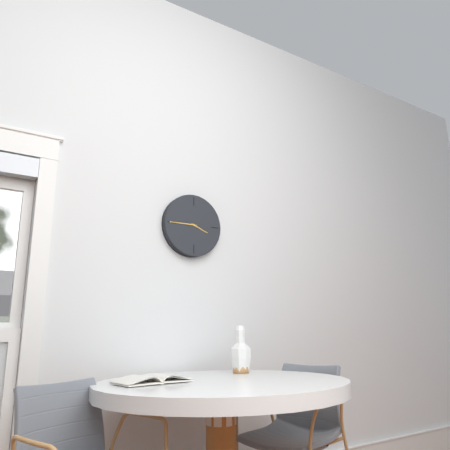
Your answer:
{"hour": 3, "minute": 45}
